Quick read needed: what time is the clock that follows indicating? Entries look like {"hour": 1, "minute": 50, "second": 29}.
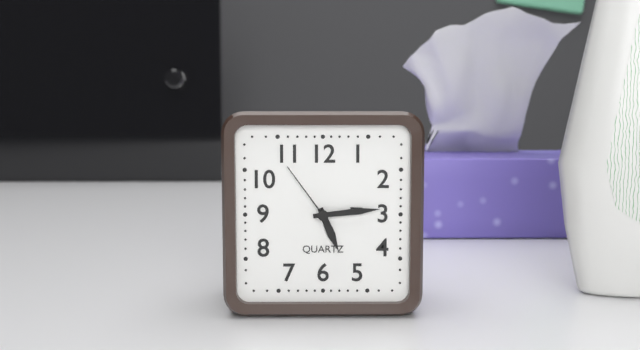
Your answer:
{"hour": 5, "minute": 14, "second": 54}
